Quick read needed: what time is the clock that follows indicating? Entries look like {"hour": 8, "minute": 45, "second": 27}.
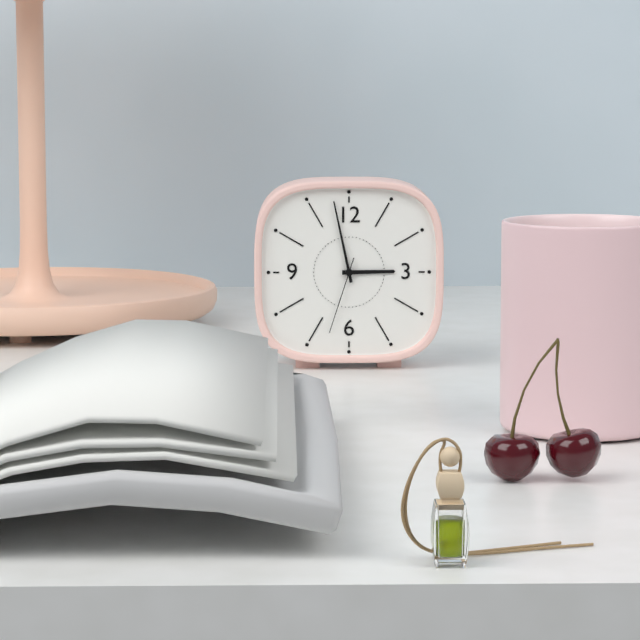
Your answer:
{"hour": 2, "minute": 58, "second": 33}
